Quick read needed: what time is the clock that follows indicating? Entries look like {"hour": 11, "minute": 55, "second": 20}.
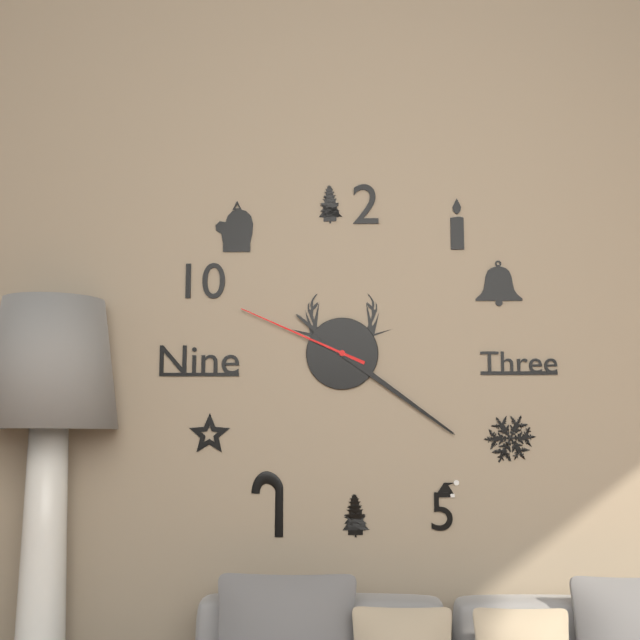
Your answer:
{"hour": 10, "minute": 21, "second": 49}
